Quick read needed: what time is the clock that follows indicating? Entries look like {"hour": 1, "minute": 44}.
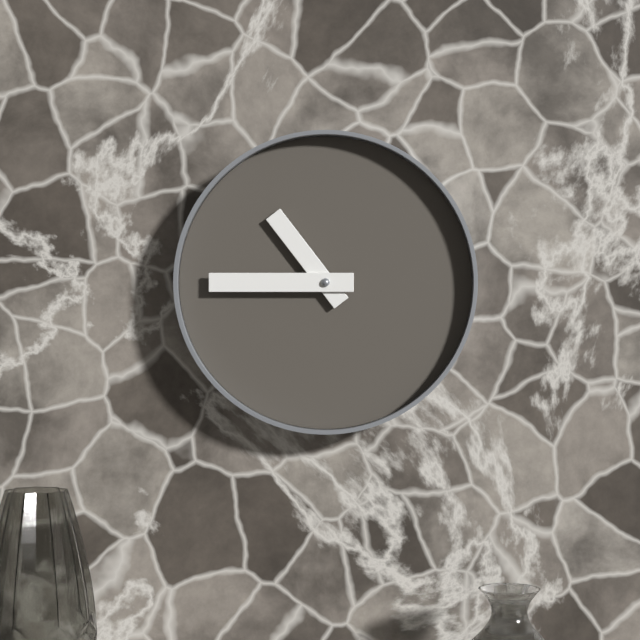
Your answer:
{"hour": 10, "minute": 45}
